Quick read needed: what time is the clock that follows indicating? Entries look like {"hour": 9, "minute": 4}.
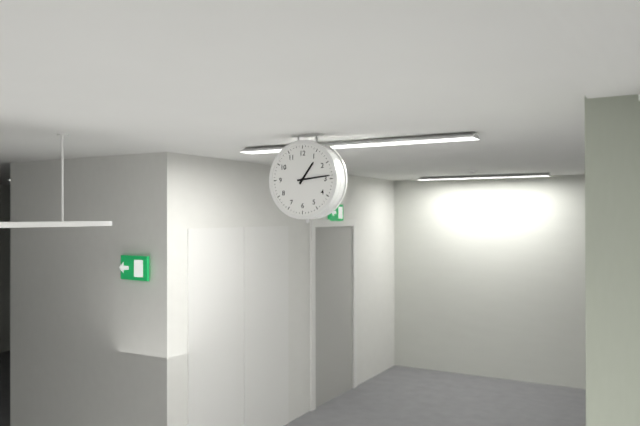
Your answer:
{"hour": 1, "minute": 14}
